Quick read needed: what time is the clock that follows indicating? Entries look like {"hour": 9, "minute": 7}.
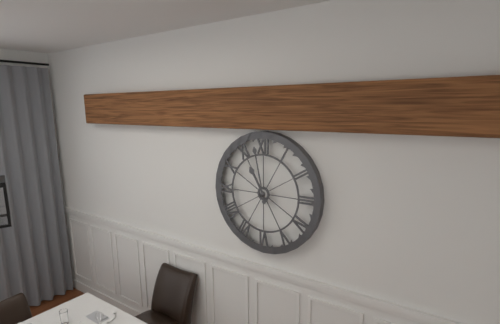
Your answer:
{"hour": 10, "minute": 58}
